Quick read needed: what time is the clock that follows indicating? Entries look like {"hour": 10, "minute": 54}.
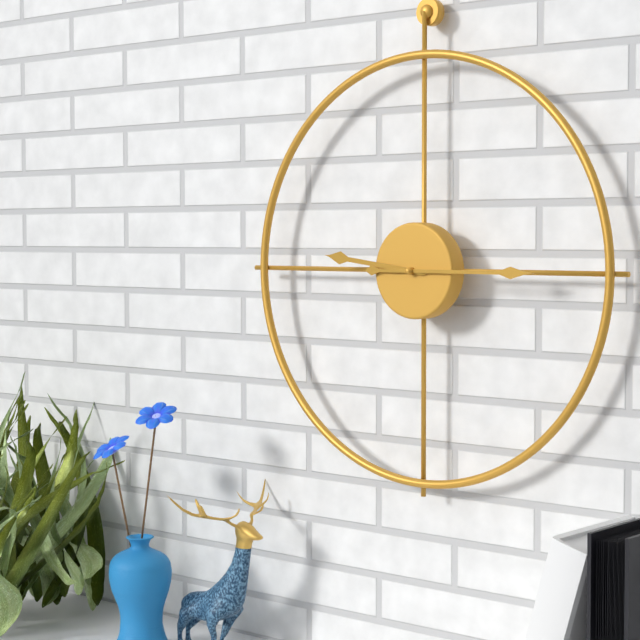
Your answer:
{"hour": 9, "minute": 15}
